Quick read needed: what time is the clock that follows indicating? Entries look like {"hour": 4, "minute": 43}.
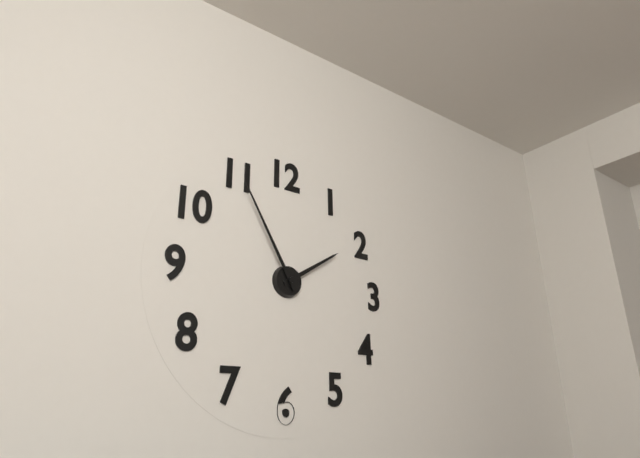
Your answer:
{"hour": 1, "minute": 55}
